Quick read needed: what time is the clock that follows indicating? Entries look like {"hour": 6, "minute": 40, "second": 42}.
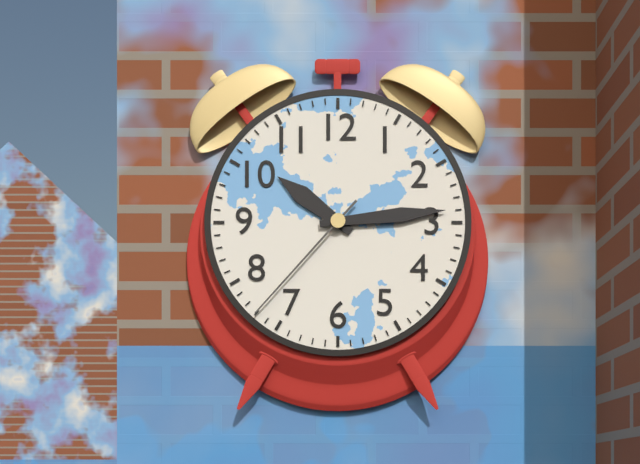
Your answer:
{"hour": 10, "minute": 14, "second": 37}
